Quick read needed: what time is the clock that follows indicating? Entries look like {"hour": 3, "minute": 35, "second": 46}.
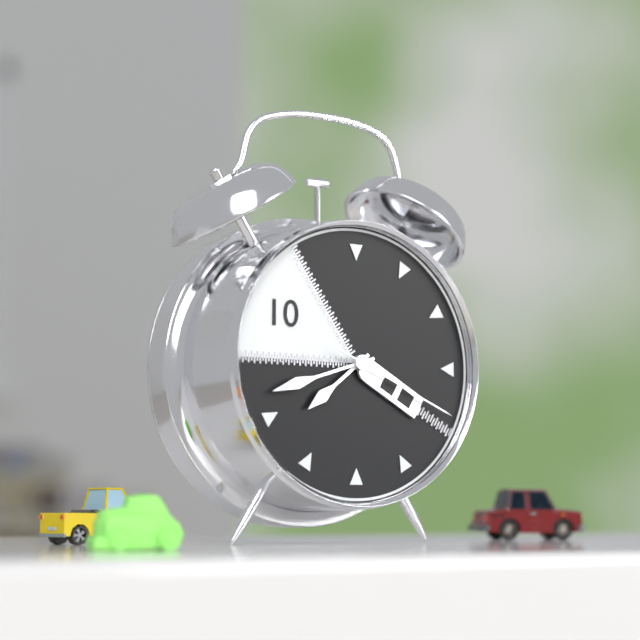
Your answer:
{"hour": 7, "minute": 42, "second": 19}
